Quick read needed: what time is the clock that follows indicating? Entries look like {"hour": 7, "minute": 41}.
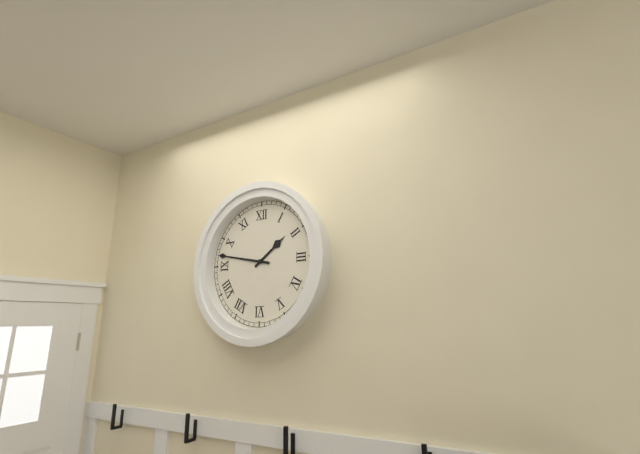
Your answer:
{"hour": 1, "minute": 47}
